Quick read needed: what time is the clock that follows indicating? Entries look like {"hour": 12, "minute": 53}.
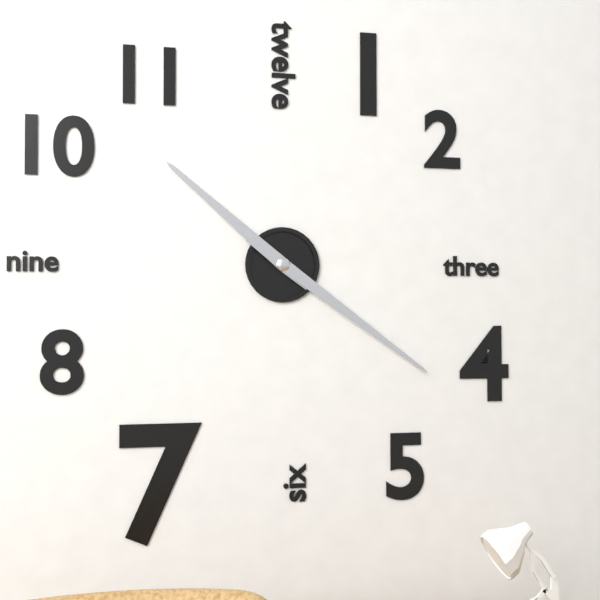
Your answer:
{"hour": 10, "minute": 21}
